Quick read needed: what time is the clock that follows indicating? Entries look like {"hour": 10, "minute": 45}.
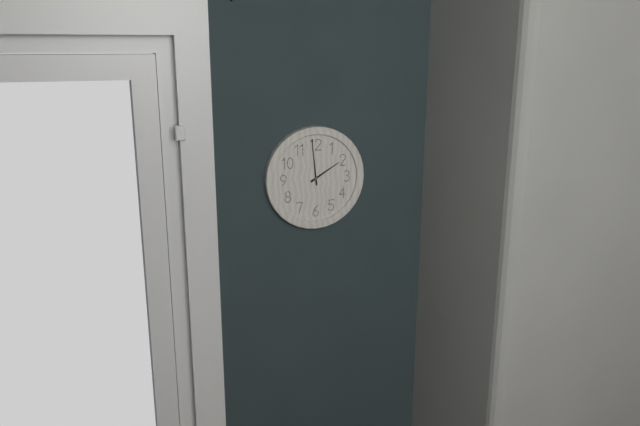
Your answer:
{"hour": 1, "minute": 59}
